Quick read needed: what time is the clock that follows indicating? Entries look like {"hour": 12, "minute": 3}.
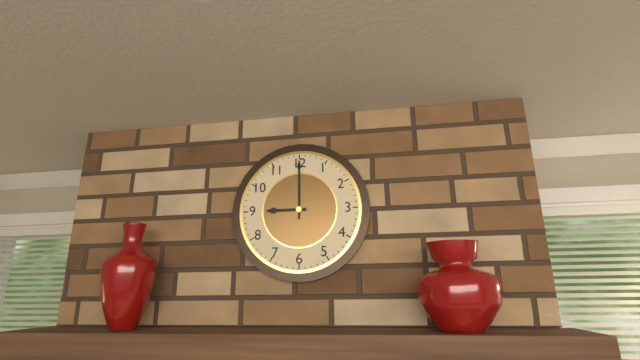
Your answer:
{"hour": 9, "minute": 0}
